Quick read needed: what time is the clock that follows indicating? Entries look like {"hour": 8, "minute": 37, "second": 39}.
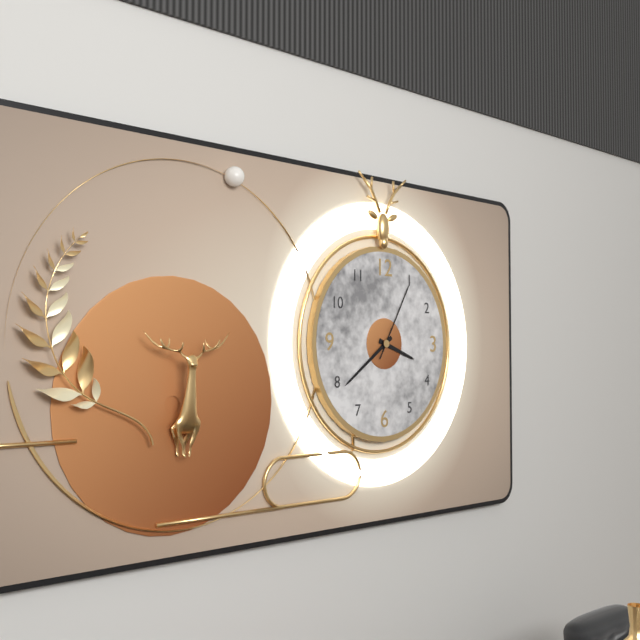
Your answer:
{"hour": 3, "minute": 39, "second": 5}
